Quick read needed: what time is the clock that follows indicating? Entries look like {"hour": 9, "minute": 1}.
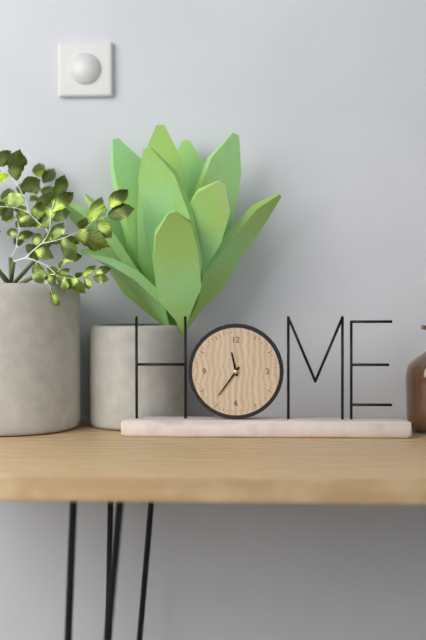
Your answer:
{"hour": 11, "minute": 36}
